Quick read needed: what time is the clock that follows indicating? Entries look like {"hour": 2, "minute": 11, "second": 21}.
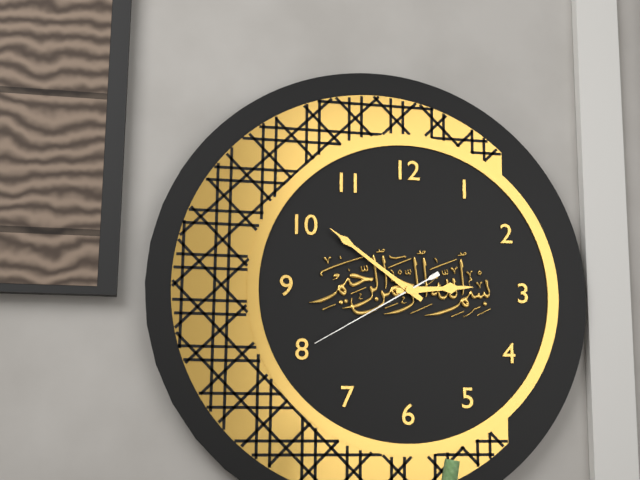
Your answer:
{"hour": 2, "minute": 51, "second": 40}
